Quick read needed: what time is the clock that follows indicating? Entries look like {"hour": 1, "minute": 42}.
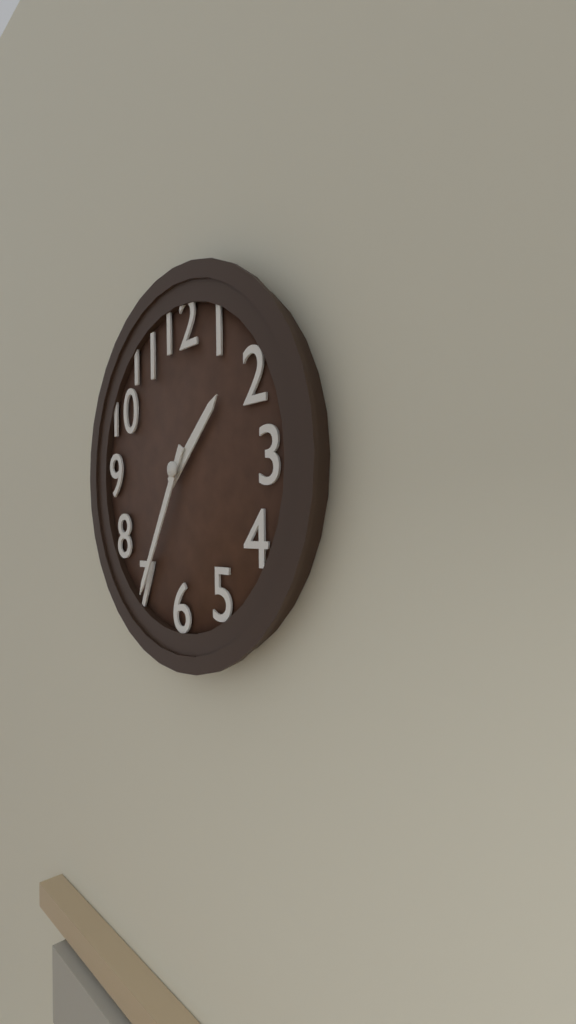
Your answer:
{"hour": 1, "minute": 35}
